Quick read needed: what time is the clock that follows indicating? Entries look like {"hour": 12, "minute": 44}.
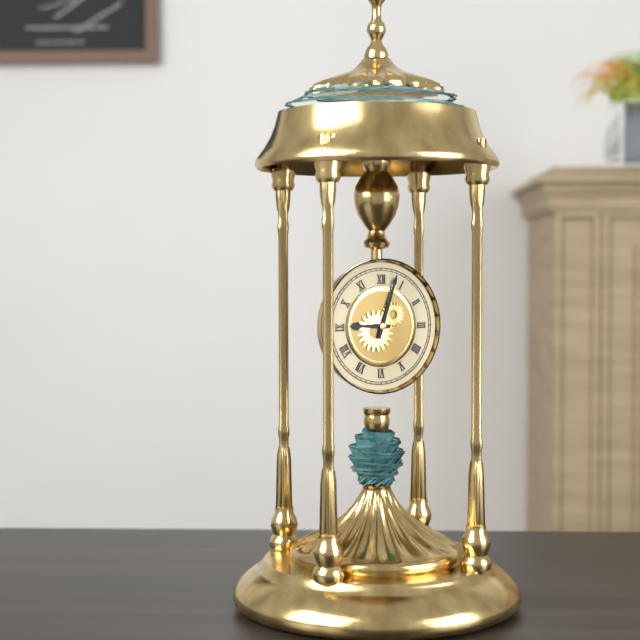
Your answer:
{"hour": 9, "minute": 3}
